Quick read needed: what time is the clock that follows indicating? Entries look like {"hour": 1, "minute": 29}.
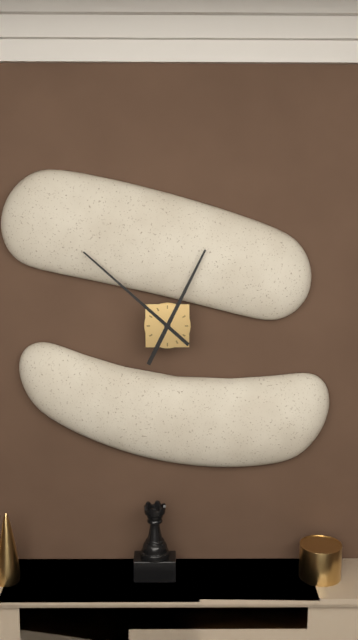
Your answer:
{"hour": 12, "minute": 52}
